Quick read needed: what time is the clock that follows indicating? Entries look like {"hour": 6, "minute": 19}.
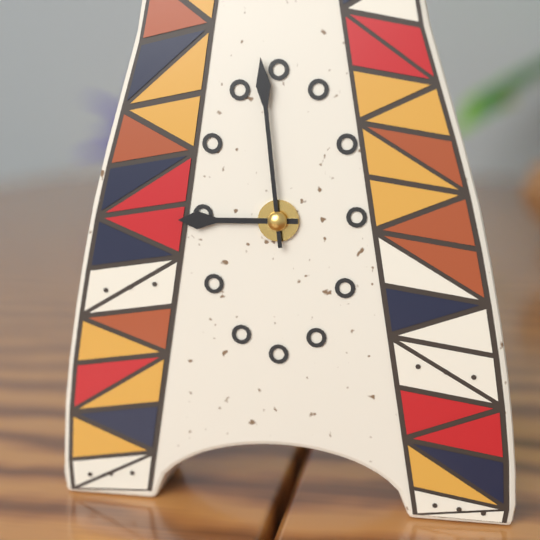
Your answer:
{"hour": 8, "minute": 59}
